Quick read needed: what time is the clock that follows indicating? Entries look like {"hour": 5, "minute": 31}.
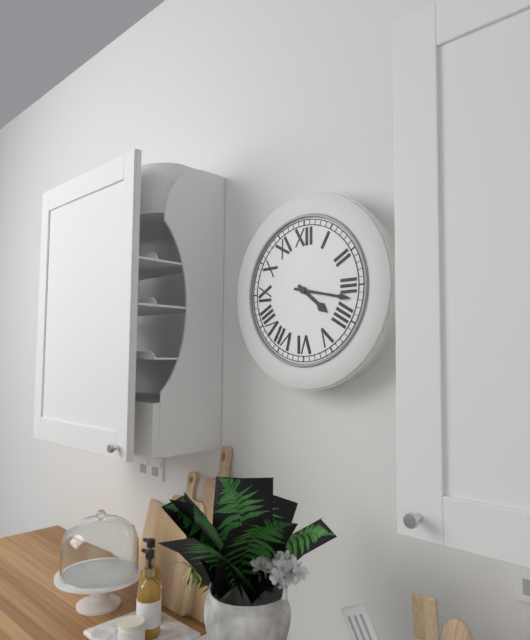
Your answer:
{"hour": 4, "minute": 17}
